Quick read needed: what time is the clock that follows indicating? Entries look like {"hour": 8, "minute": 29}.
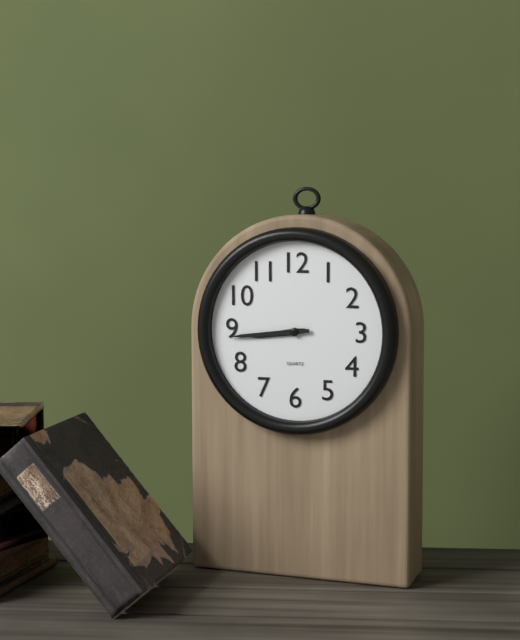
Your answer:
{"hour": 8, "minute": 44}
